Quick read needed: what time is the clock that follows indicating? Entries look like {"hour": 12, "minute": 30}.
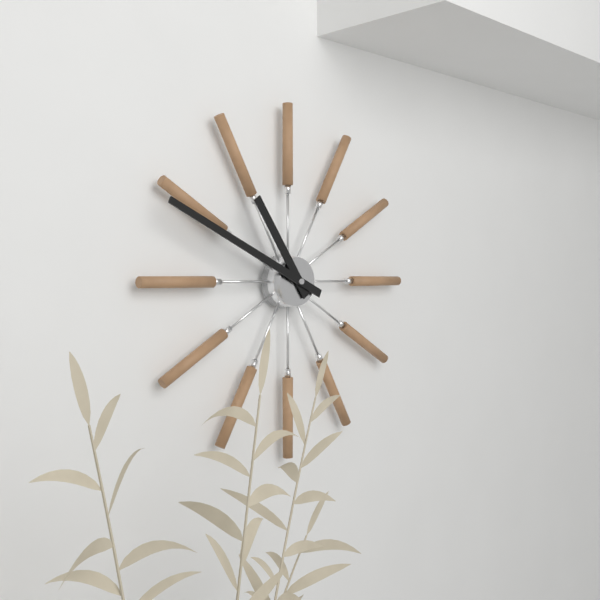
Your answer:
{"hour": 10, "minute": 49}
